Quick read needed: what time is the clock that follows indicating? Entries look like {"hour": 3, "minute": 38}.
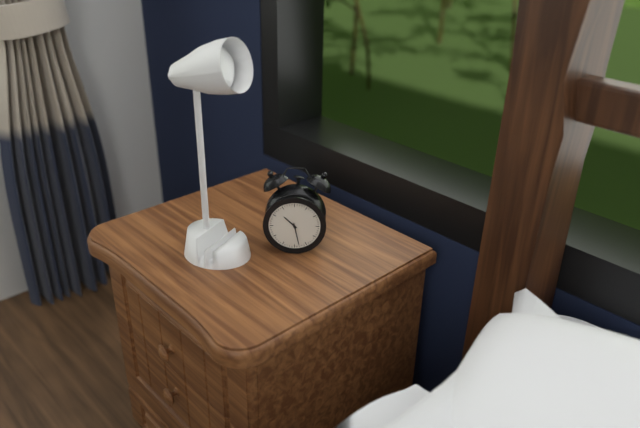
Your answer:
{"hour": 10, "minute": 28}
